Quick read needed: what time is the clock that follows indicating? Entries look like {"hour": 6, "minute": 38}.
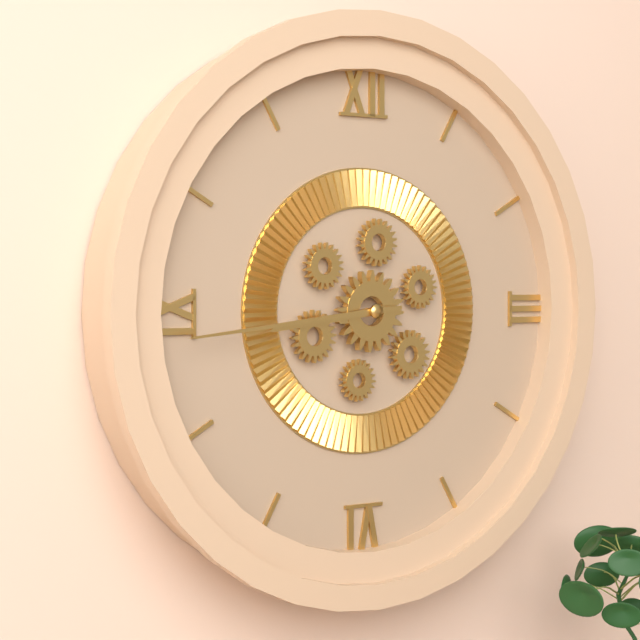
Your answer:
{"hour": 8, "minute": 44}
